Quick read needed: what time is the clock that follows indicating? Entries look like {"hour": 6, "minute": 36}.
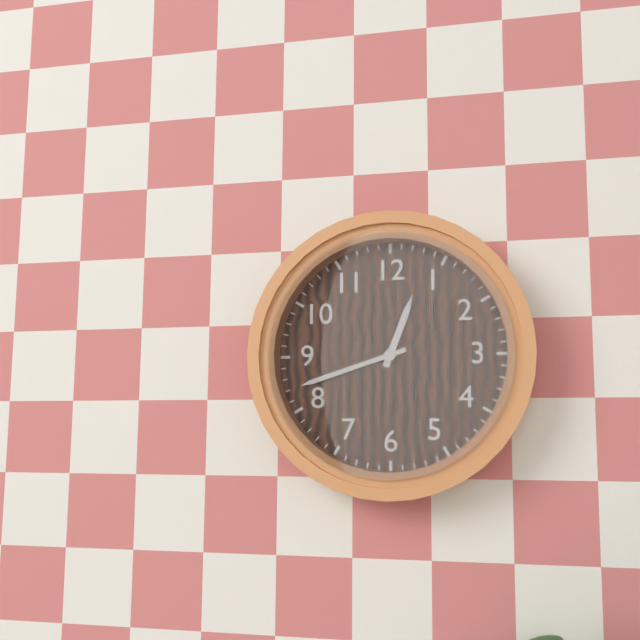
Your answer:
{"hour": 12, "minute": 42}
